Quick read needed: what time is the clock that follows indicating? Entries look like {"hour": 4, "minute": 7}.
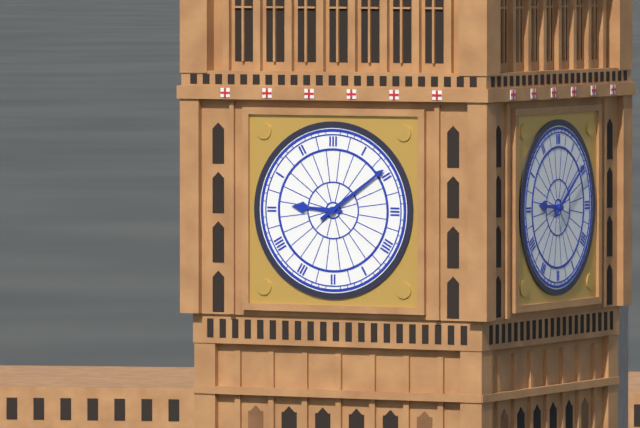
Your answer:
{"hour": 9, "minute": 9}
